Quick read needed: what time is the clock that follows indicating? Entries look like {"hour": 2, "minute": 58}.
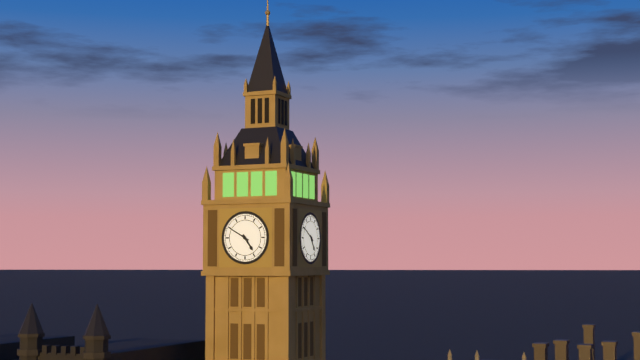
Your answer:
{"hour": 4, "minute": 50}
